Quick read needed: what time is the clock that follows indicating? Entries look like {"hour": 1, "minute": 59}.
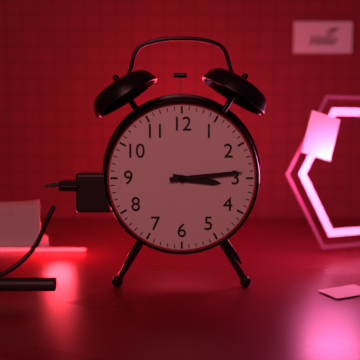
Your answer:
{"hour": 3, "minute": 14}
